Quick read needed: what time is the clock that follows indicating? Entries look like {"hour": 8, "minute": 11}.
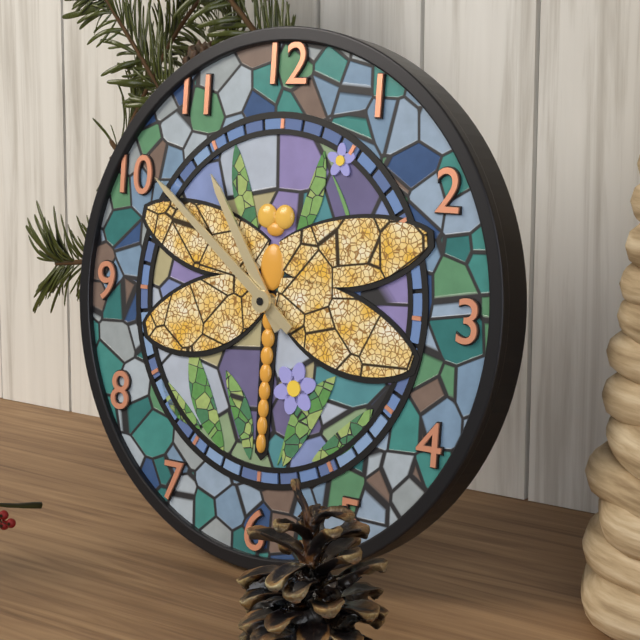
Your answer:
{"hour": 10, "minute": 51}
